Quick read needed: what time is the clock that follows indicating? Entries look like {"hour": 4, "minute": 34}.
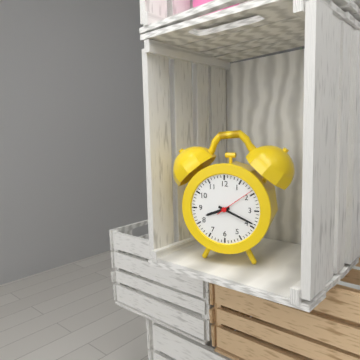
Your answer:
{"hour": 8, "minute": 19}
